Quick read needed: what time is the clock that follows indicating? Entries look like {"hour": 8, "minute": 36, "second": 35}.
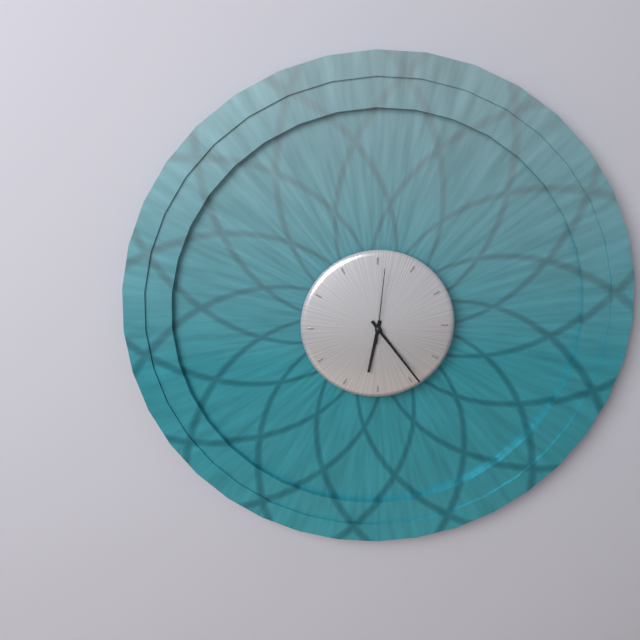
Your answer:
{"hour": 6, "minute": 24, "second": 1}
